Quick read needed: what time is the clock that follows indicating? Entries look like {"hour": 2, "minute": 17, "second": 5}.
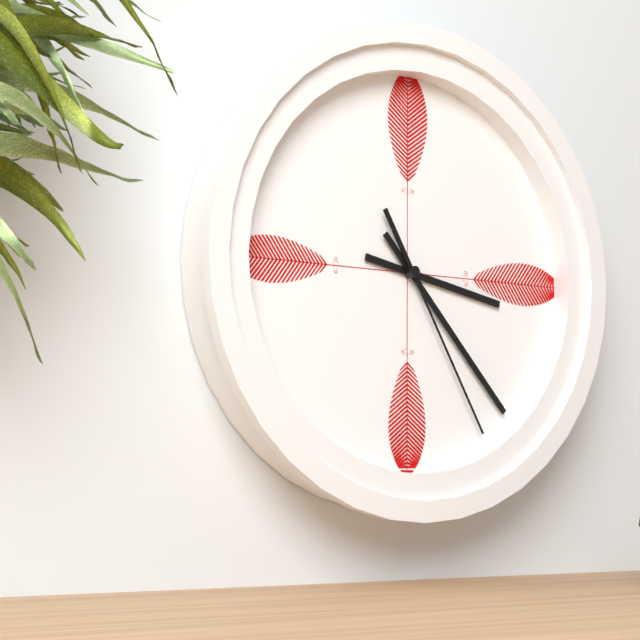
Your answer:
{"hour": 3, "minute": 23, "second": 25}
